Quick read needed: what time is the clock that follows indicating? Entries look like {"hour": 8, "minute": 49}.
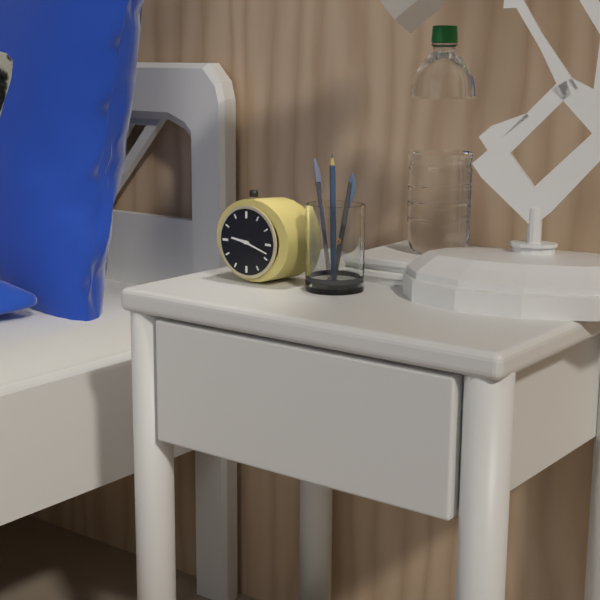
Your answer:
{"hour": 9, "minute": 18}
